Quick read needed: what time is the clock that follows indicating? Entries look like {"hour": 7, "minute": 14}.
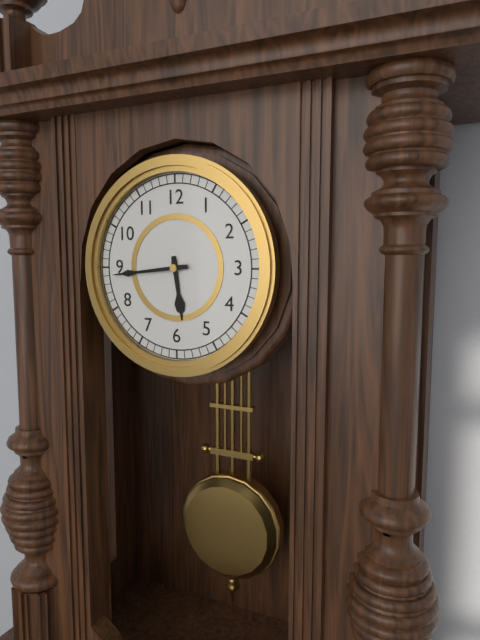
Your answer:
{"hour": 5, "minute": 44}
